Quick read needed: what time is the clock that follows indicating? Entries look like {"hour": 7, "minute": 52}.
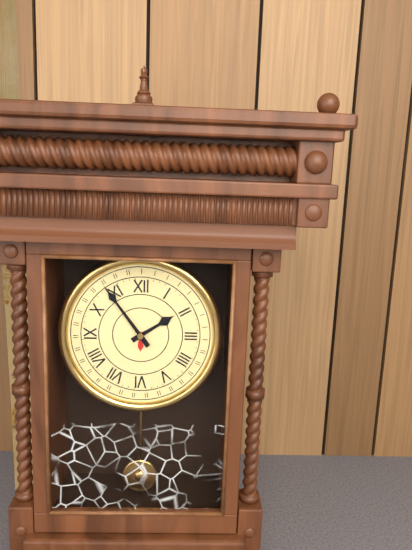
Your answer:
{"hour": 1, "minute": 54}
